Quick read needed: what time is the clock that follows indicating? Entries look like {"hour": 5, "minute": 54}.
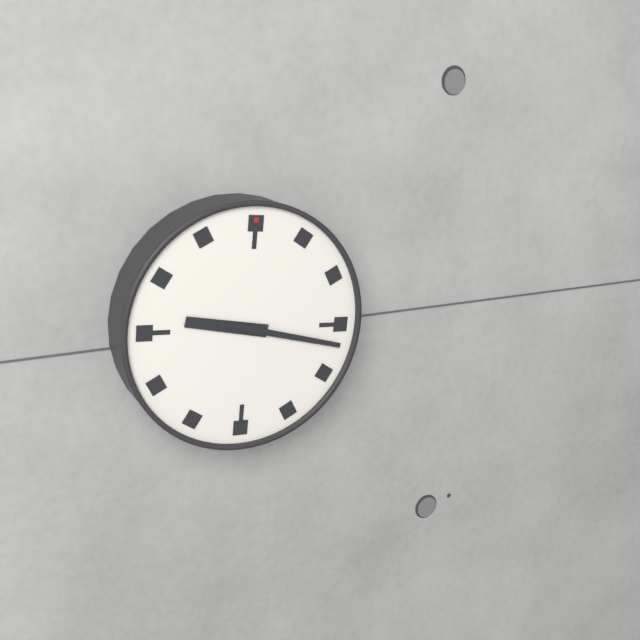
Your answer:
{"hour": 9, "minute": 17}
